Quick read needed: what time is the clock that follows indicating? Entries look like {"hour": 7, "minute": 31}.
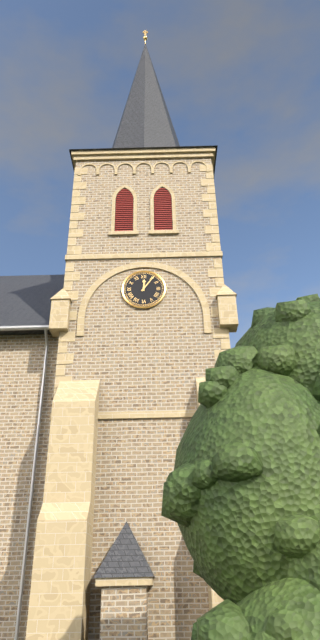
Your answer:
{"hour": 12, "minute": 6}
